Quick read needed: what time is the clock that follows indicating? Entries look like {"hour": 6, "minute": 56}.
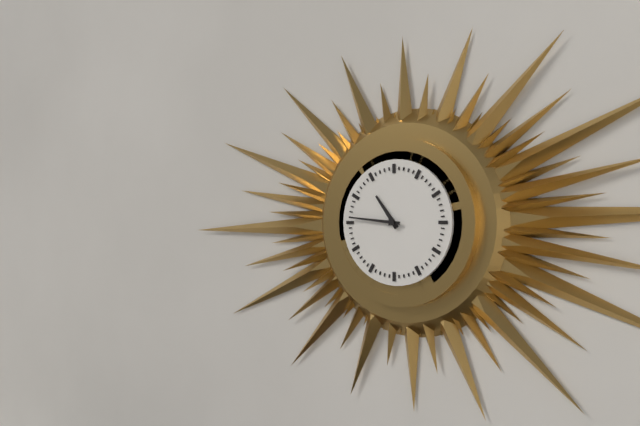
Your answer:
{"hour": 10, "minute": 46}
